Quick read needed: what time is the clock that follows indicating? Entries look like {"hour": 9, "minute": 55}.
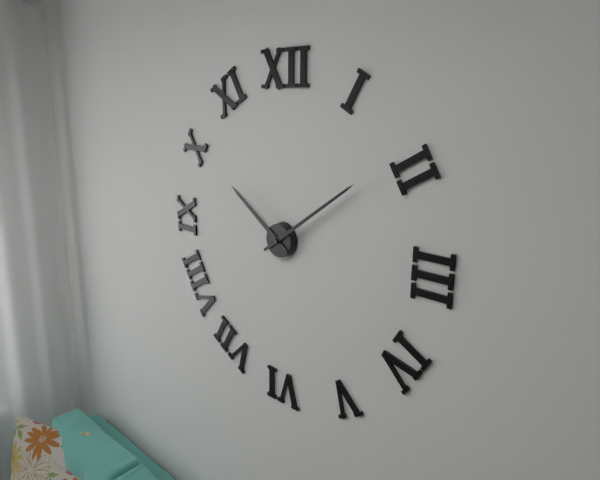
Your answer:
{"hour": 10, "minute": 9}
